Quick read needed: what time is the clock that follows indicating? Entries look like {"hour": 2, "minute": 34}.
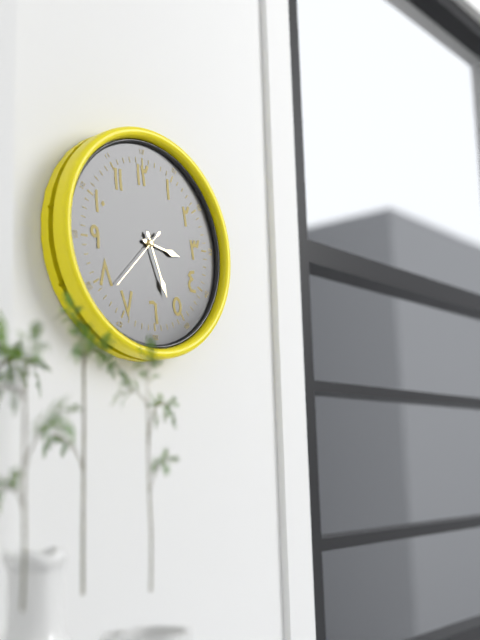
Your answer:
{"hour": 3, "minute": 27}
